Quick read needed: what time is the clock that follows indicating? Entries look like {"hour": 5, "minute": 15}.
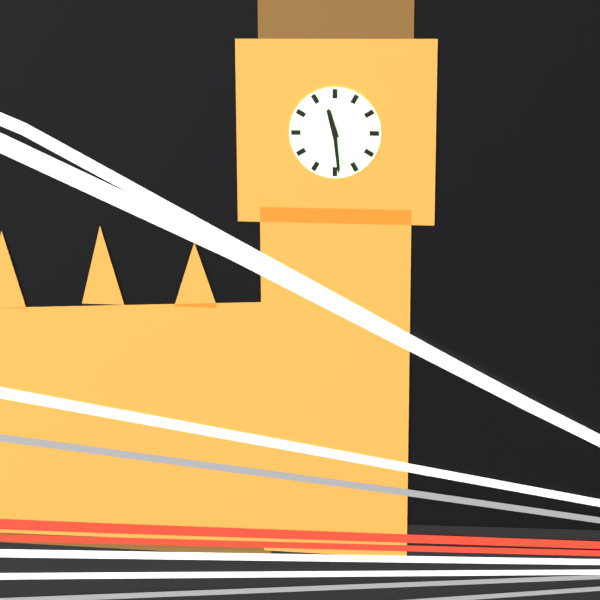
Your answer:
{"hour": 11, "minute": 29}
